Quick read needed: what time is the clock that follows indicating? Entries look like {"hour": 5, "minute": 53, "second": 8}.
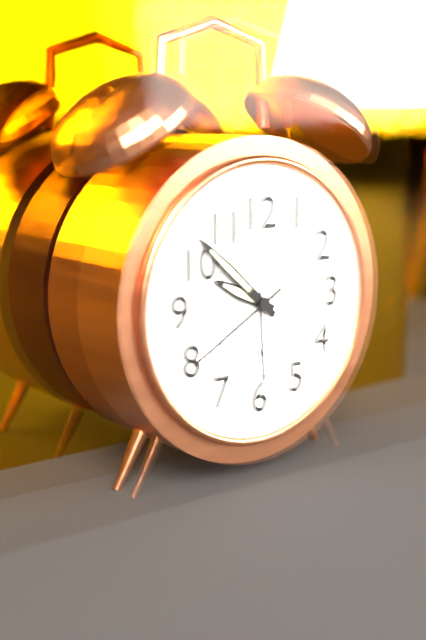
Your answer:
{"hour": 9, "minute": 52, "second": 40}
